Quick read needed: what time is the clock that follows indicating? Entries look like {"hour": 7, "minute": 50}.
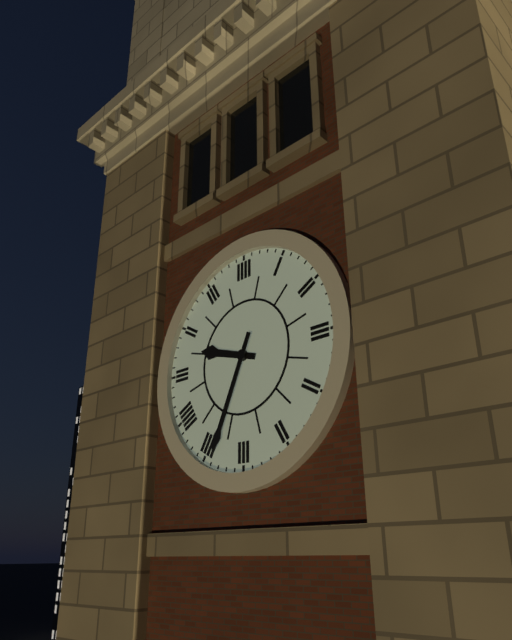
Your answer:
{"hour": 9, "minute": 34}
